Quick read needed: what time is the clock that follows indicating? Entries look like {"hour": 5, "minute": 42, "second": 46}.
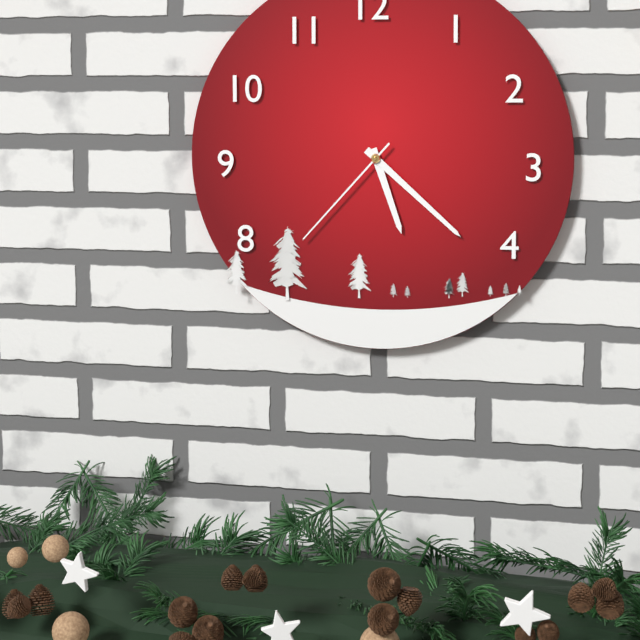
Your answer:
{"hour": 5, "minute": 22, "second": 37}
